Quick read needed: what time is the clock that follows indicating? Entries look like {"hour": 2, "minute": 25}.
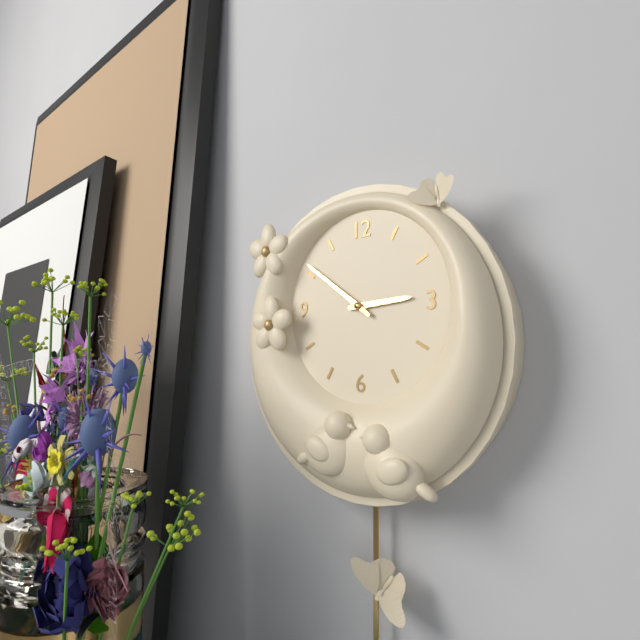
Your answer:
{"hour": 2, "minute": 51}
